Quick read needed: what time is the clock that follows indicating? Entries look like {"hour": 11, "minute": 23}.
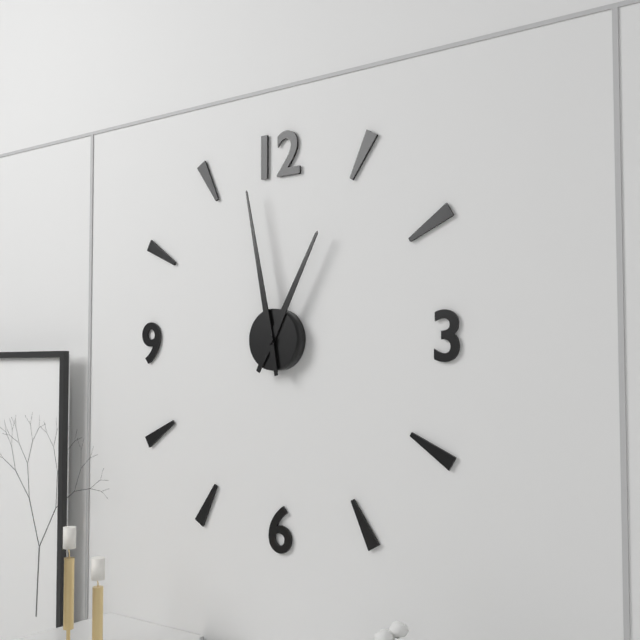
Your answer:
{"hour": 12, "minute": 58}
